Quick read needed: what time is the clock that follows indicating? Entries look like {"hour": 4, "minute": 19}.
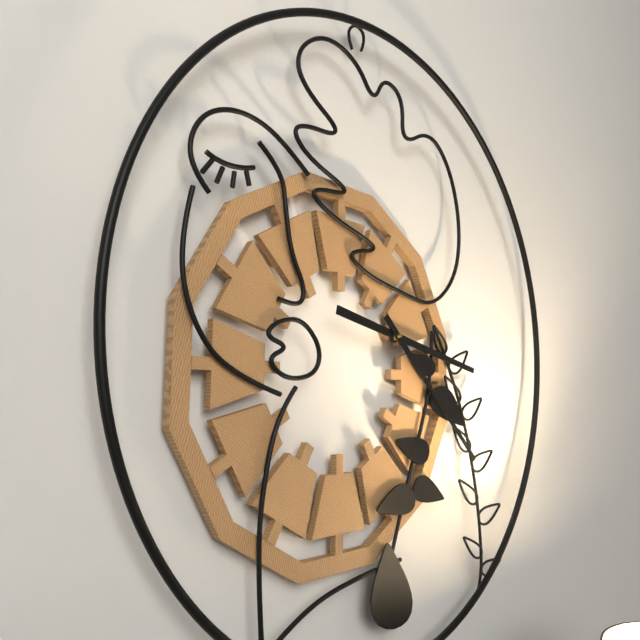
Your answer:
{"hour": 3, "minute": 22}
